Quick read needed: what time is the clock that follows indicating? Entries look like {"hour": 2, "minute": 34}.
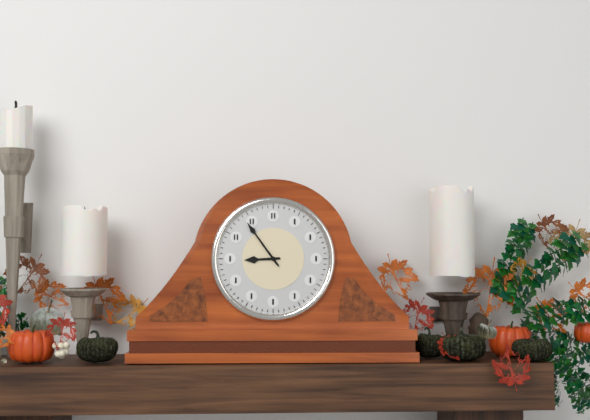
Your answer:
{"hour": 8, "minute": 54}
